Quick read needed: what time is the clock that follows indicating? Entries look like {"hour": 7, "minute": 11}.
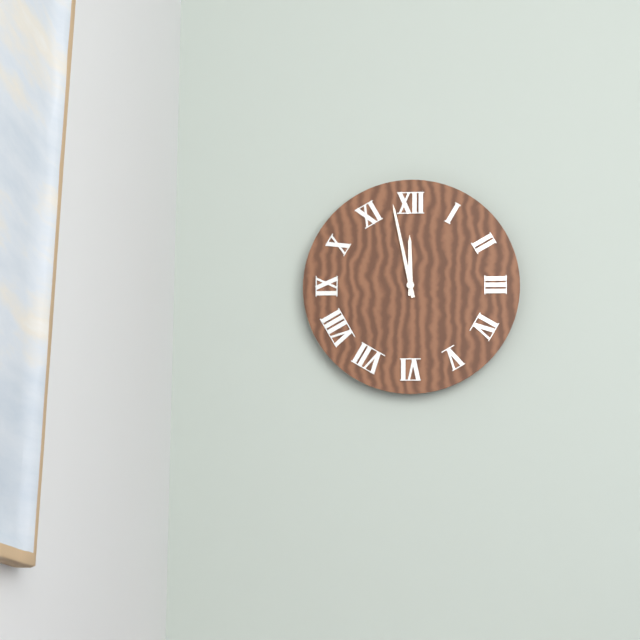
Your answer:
{"hour": 11, "minute": 58}
